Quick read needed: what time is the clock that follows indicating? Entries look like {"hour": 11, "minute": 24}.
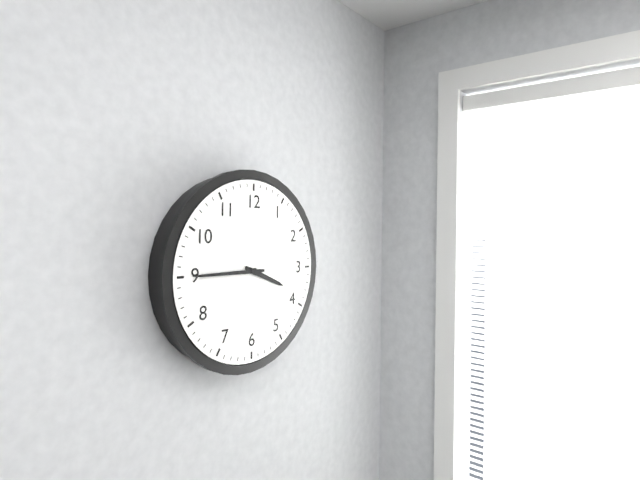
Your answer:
{"hour": 3, "minute": 45}
